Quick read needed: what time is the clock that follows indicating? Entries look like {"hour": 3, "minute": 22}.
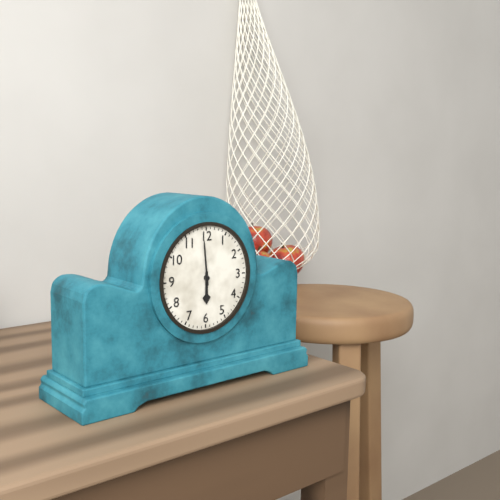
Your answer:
{"hour": 5, "minute": 59}
